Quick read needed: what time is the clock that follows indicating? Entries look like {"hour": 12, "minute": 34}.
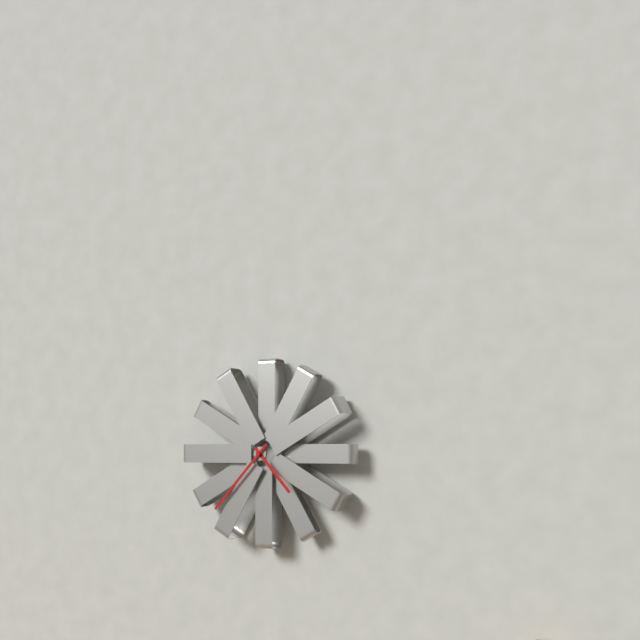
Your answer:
{"hour": 4, "minute": 37}
